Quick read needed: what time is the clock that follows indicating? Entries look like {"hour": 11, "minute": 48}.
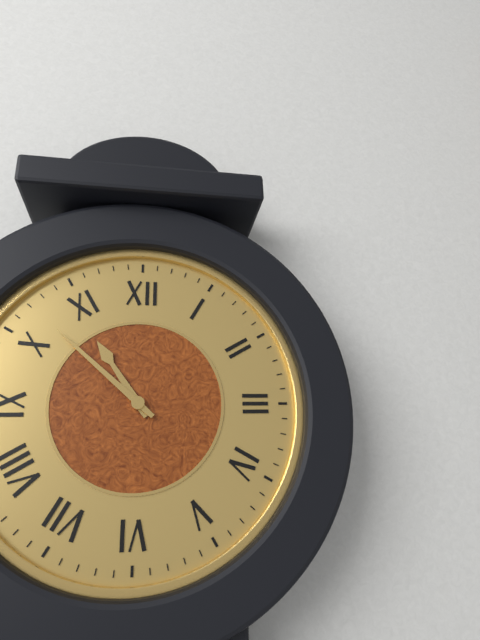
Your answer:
{"hour": 10, "minute": 52}
